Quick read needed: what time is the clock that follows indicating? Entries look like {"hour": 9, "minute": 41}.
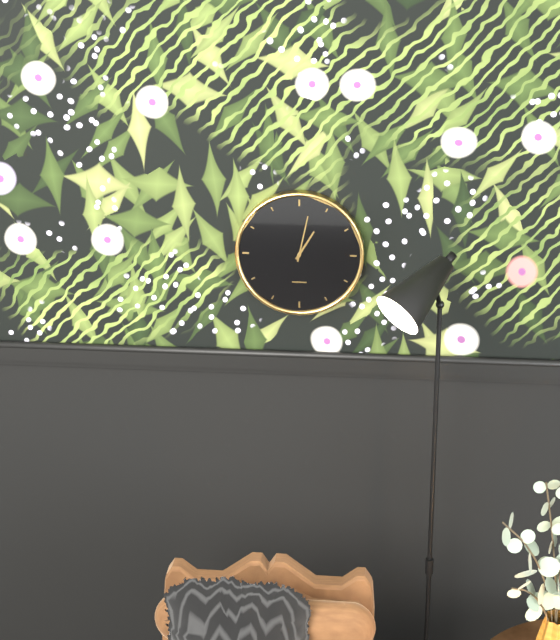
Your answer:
{"hour": 1, "minute": 2}
